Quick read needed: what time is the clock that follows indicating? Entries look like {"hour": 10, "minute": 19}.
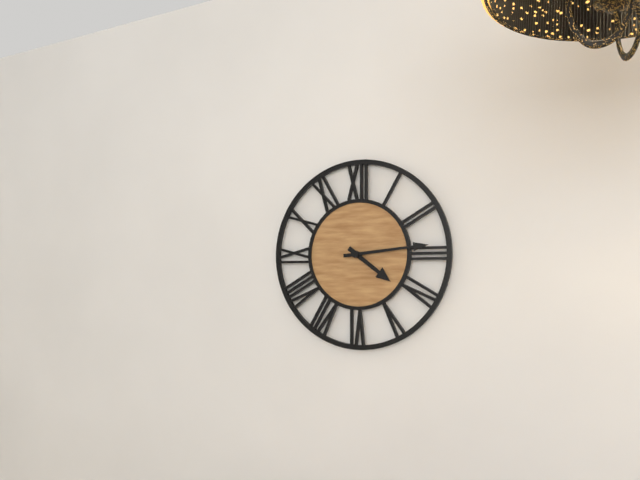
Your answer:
{"hour": 4, "minute": 14}
